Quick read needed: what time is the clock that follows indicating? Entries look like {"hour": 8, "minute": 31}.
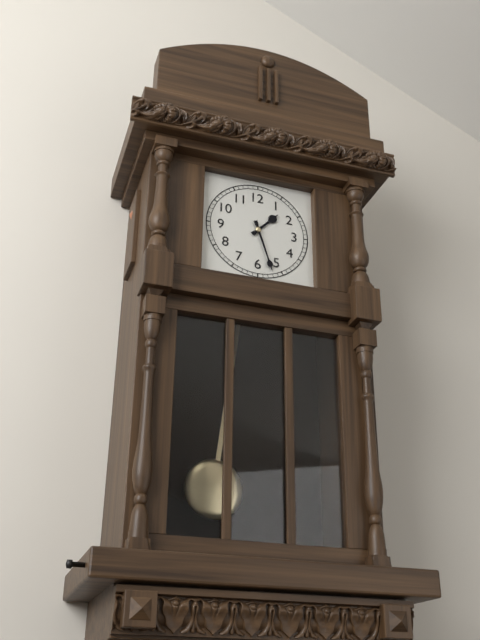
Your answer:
{"hour": 1, "minute": 27}
